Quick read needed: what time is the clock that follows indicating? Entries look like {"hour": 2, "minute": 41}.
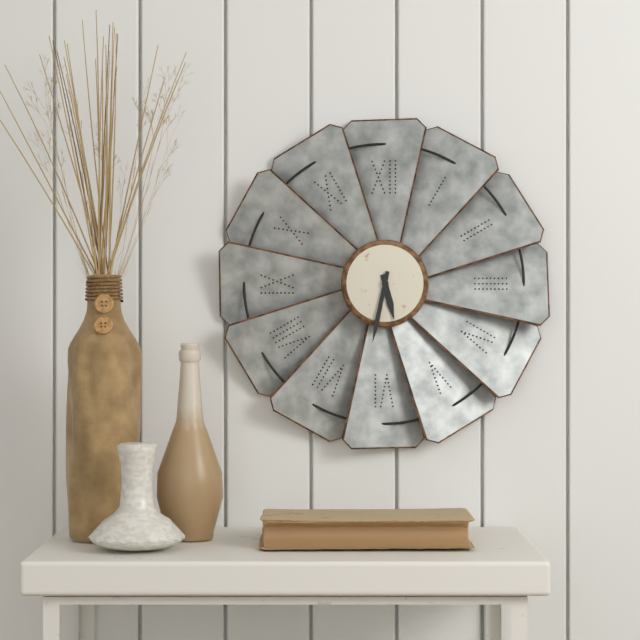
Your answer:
{"hour": 5, "minute": 32}
